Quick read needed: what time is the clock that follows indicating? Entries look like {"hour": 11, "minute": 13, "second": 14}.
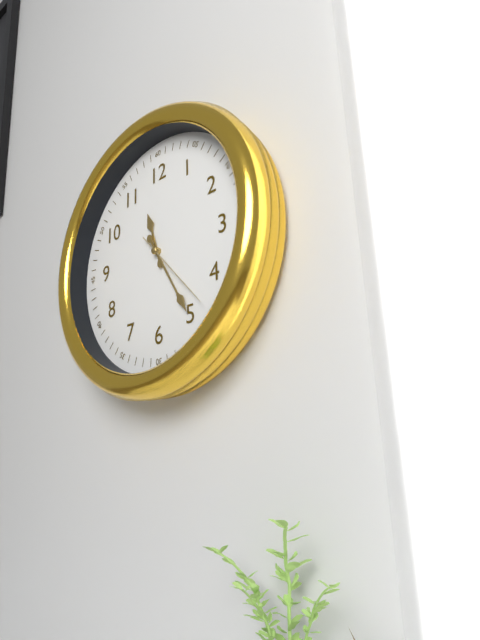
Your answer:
{"hour": 11, "minute": 25, "second": 23}
